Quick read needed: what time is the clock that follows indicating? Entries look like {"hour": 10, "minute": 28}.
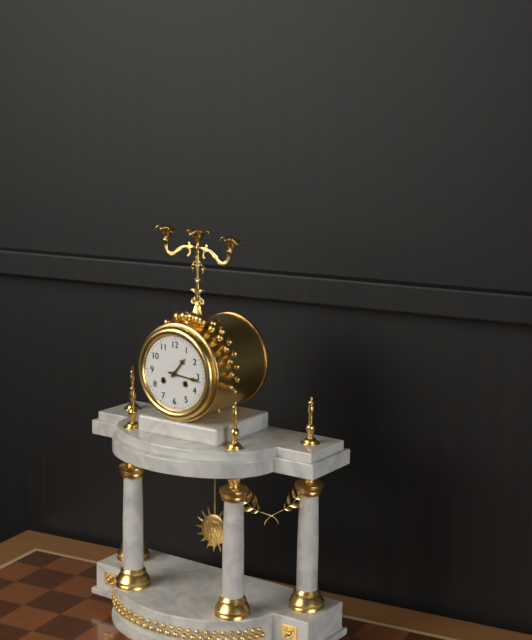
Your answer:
{"hour": 1, "minute": 16}
